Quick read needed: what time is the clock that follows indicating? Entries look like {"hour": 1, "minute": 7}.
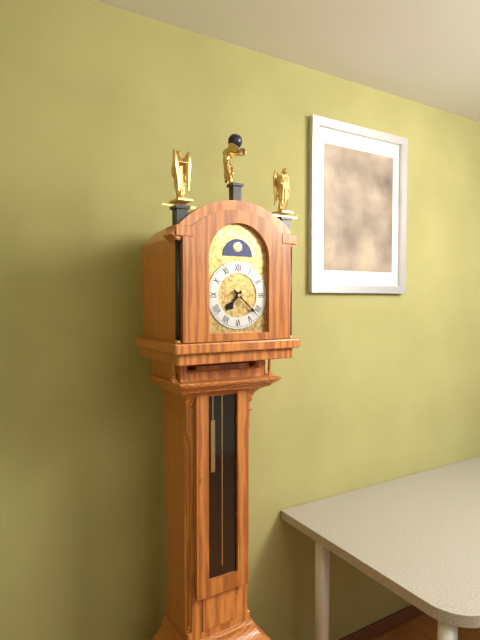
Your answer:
{"hour": 7, "minute": 22}
